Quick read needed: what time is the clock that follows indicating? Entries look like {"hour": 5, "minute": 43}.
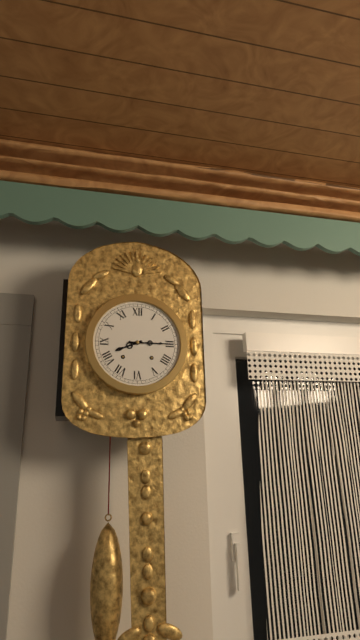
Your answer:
{"hour": 8, "minute": 15}
